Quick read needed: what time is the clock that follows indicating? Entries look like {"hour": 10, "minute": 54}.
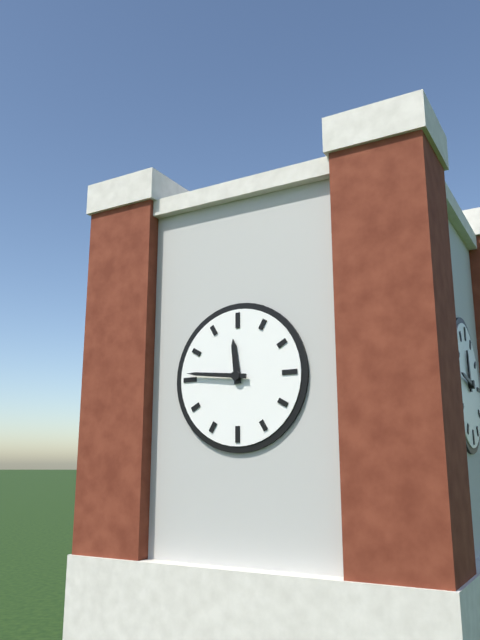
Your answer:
{"hour": 11, "minute": 46}
